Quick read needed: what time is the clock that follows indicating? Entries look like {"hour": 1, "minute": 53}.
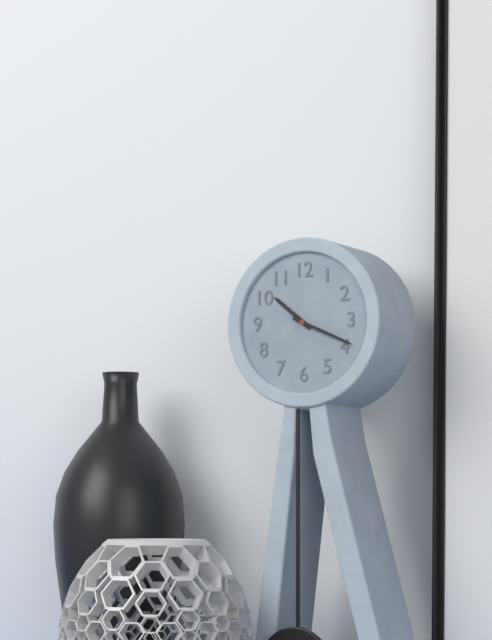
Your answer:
{"hour": 10, "minute": 19}
